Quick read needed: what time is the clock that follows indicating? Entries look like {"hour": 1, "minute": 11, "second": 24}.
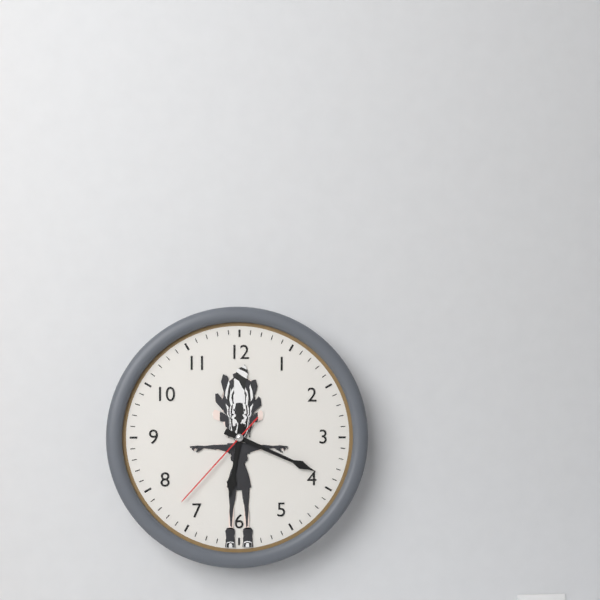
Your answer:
{"hour": 6, "minute": 19, "second": 37}
